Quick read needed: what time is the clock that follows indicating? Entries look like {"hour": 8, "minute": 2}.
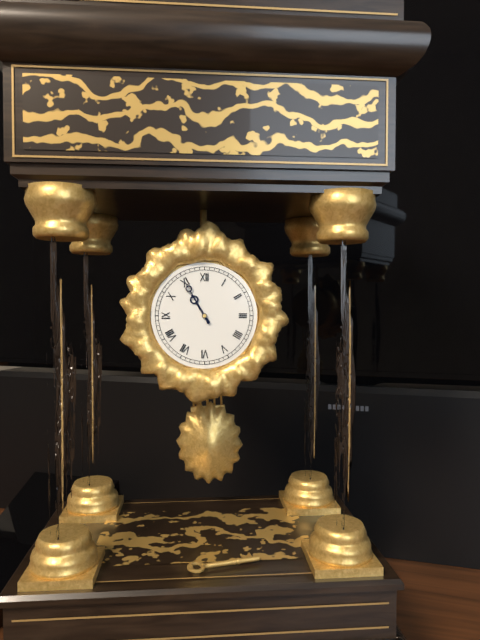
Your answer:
{"hour": 10, "minute": 55}
